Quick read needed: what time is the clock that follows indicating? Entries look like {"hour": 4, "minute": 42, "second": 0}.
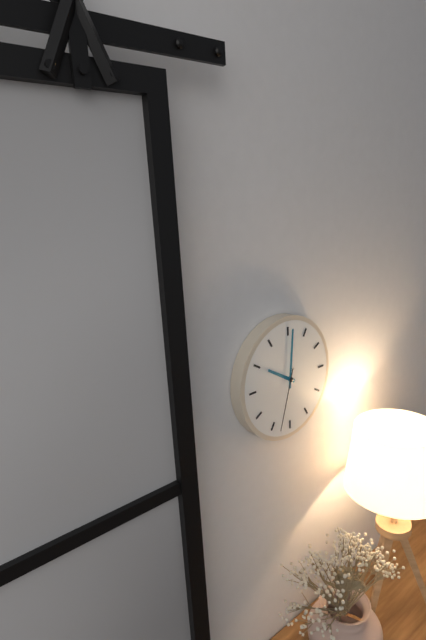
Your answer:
{"hour": 10, "minute": 1, "second": 33}
